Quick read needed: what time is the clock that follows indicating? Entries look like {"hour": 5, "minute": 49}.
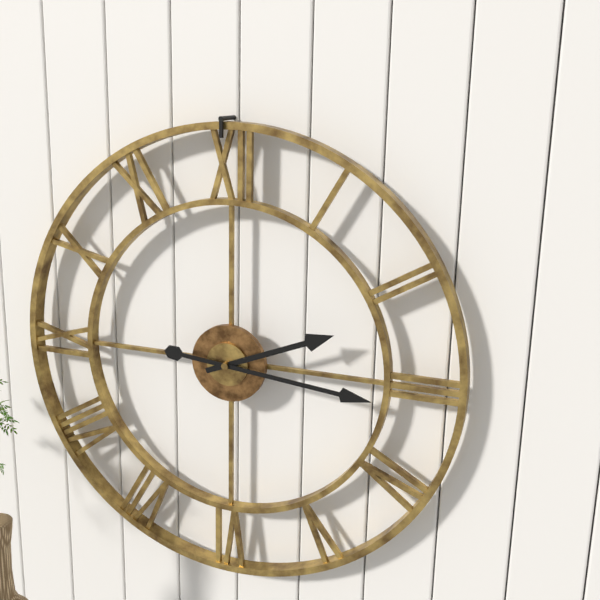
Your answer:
{"hour": 2, "minute": 16}
